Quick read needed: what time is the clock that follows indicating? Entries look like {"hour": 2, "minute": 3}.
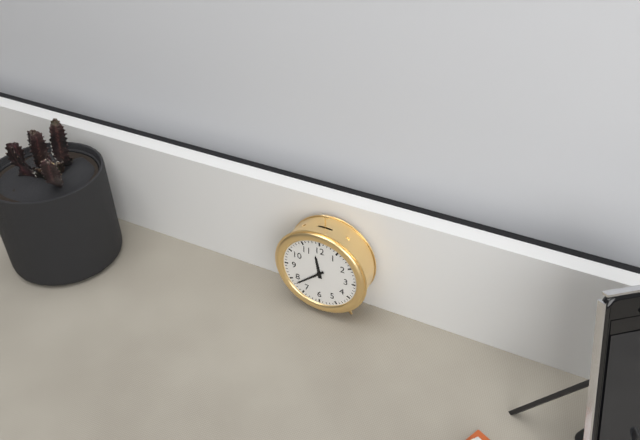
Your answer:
{"hour": 11, "minute": 38}
